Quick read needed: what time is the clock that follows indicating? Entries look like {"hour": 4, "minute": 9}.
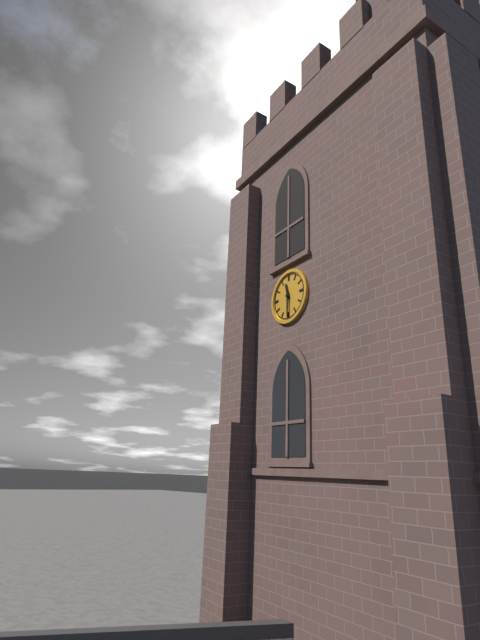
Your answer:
{"hour": 11, "minute": 30}
